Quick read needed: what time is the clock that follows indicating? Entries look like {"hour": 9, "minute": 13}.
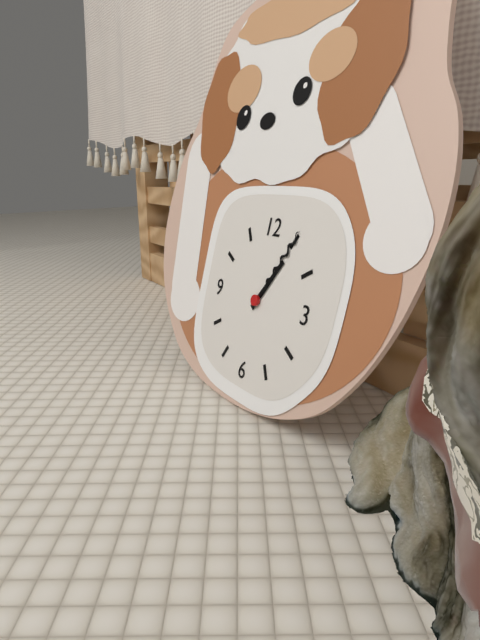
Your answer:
{"hour": 1, "minute": 5}
